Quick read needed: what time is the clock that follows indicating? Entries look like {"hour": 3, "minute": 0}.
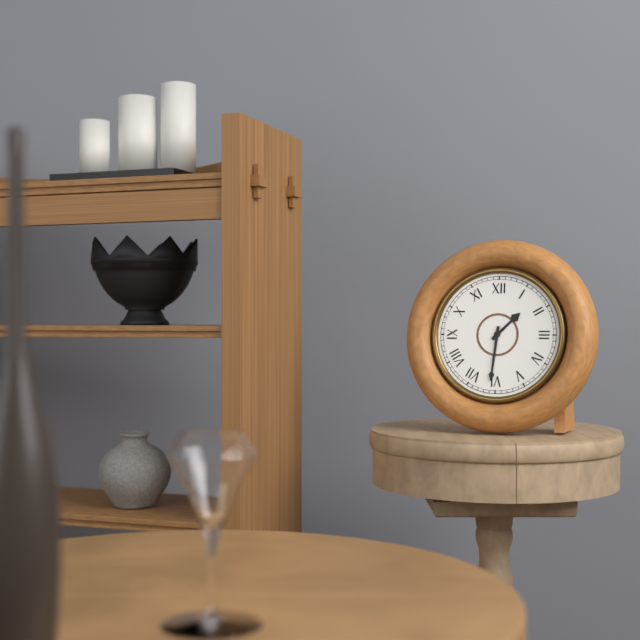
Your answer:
{"hour": 1, "minute": 31}
